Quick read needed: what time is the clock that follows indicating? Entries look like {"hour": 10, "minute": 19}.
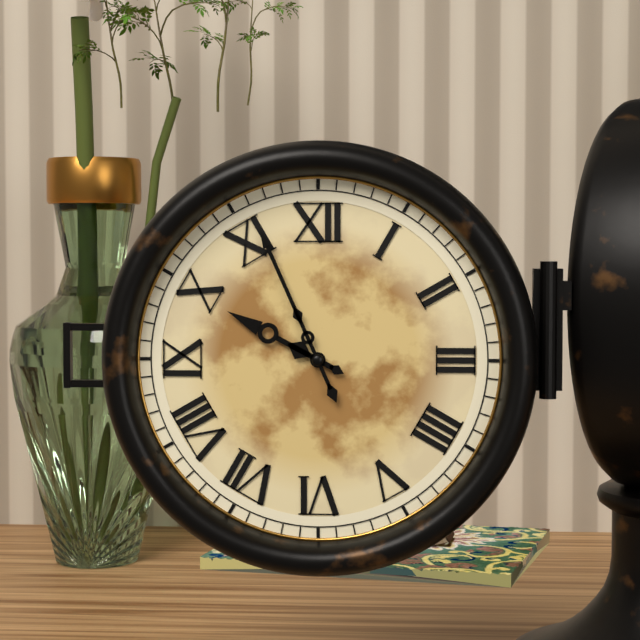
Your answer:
{"hour": 9, "minute": 56}
